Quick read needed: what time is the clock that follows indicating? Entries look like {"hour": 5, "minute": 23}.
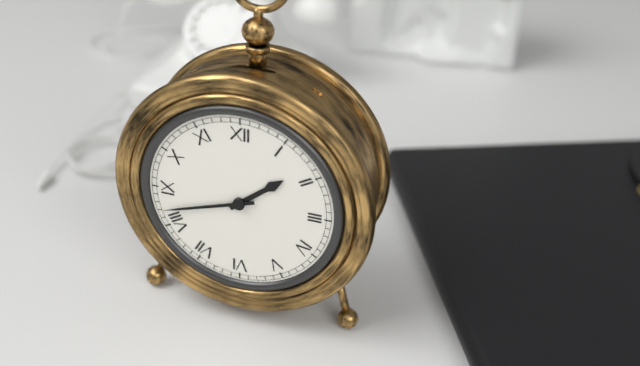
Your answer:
{"hour": 1, "minute": 42}
